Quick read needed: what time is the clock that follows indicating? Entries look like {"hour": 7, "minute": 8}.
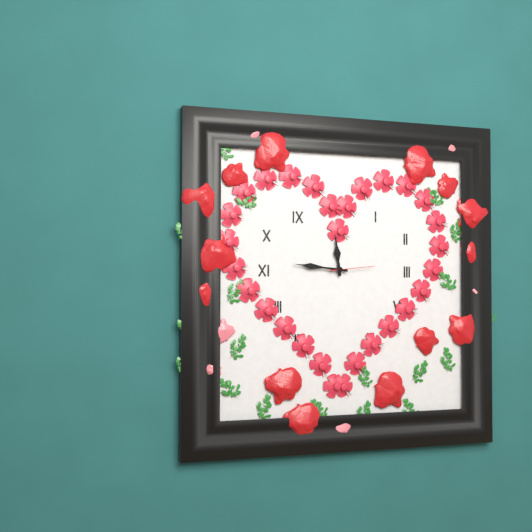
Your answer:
{"hour": 11, "minute": 46}
